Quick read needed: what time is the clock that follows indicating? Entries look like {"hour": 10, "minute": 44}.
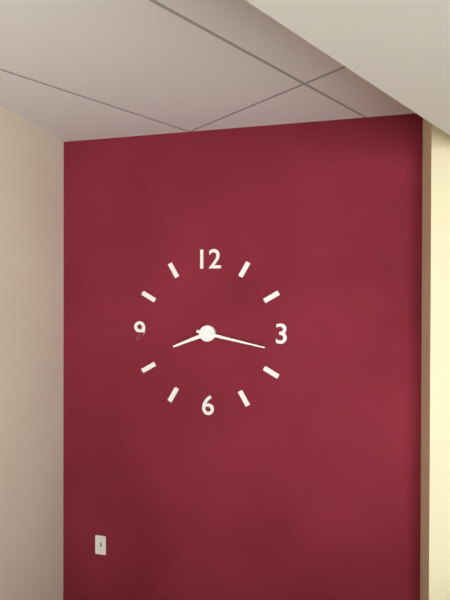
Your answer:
{"hour": 8, "minute": 17}
